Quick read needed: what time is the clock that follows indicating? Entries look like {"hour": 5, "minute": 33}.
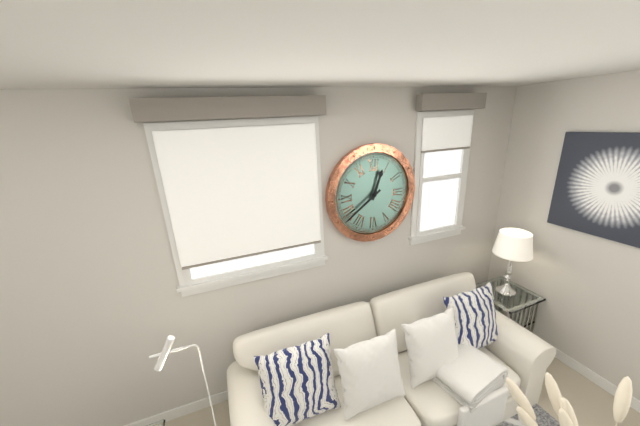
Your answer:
{"hour": 12, "minute": 39}
